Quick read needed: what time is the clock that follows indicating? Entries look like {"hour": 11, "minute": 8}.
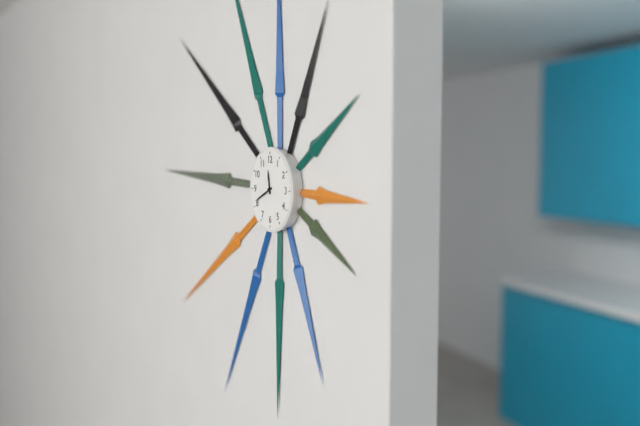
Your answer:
{"hour": 11, "minute": 41}
